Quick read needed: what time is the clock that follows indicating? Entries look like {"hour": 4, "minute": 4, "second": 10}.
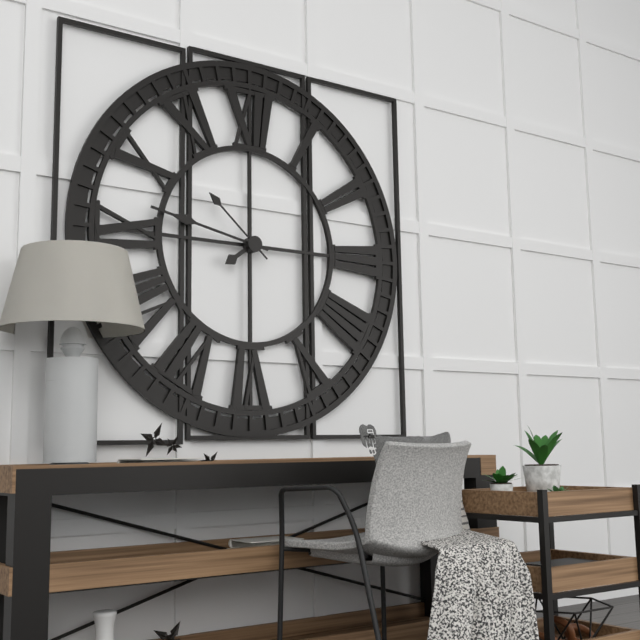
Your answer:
{"hour": 7, "minute": 47, "second": 52}
